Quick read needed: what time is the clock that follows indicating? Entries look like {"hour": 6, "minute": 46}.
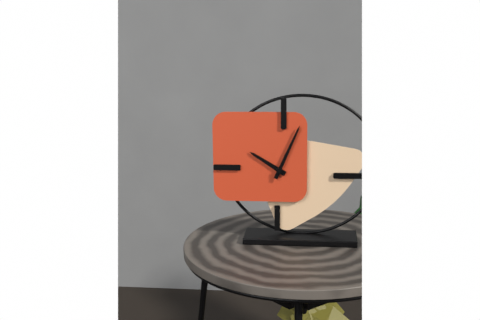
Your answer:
{"hour": 10, "minute": 4}
